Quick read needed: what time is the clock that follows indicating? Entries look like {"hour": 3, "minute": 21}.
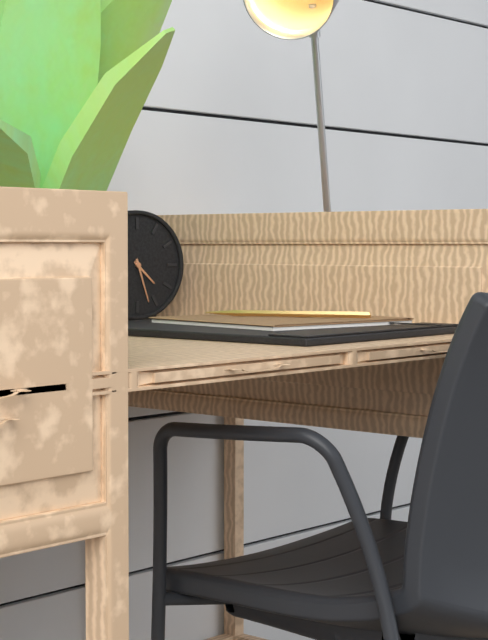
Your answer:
{"hour": 4, "minute": 27}
